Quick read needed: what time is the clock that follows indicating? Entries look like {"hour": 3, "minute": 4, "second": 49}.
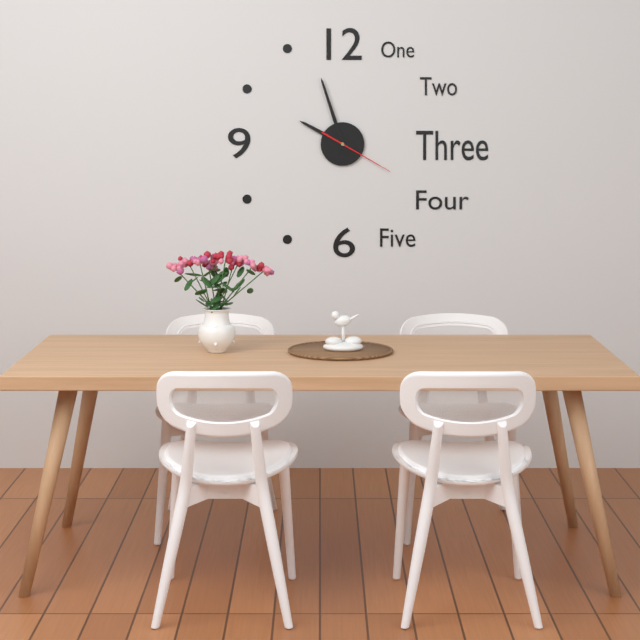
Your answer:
{"hour": 9, "minute": 57, "second": 20}
